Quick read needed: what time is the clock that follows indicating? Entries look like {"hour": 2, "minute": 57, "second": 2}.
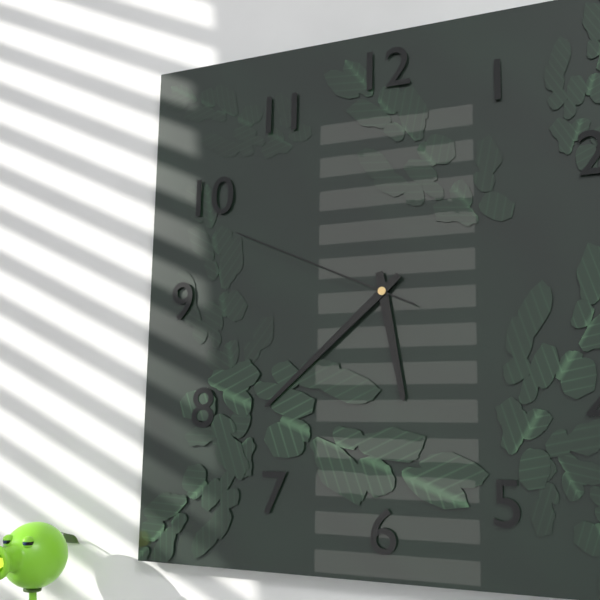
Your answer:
{"hour": 5, "minute": 38, "second": 49}
